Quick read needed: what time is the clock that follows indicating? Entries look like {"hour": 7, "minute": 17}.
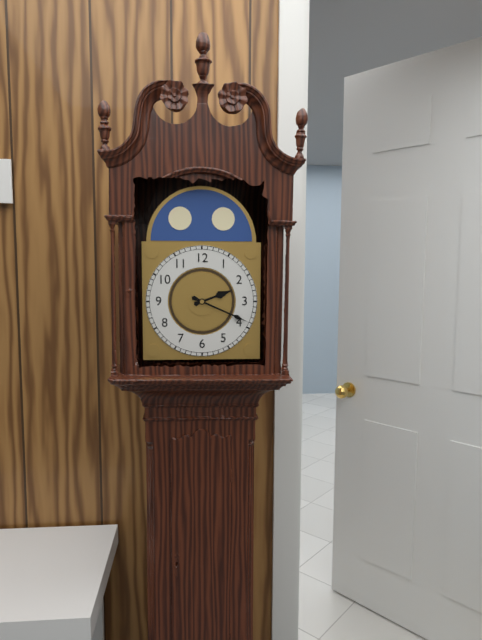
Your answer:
{"hour": 2, "minute": 19}
